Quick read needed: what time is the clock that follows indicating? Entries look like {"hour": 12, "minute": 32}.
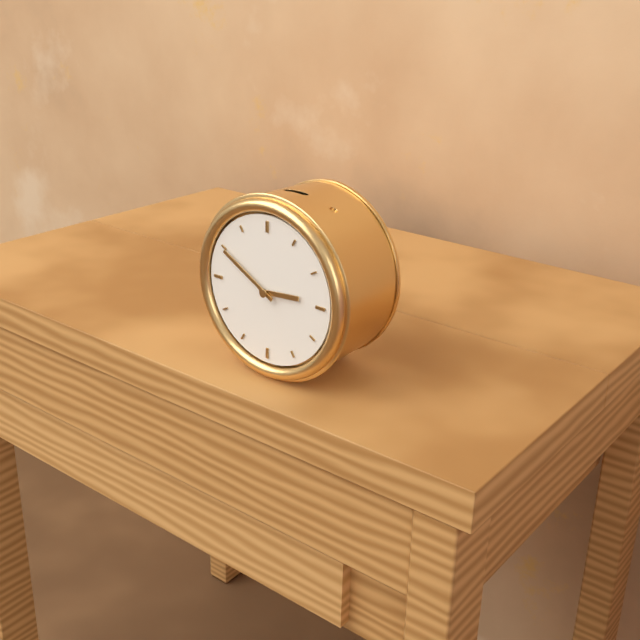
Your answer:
{"hour": 2, "minute": 50}
